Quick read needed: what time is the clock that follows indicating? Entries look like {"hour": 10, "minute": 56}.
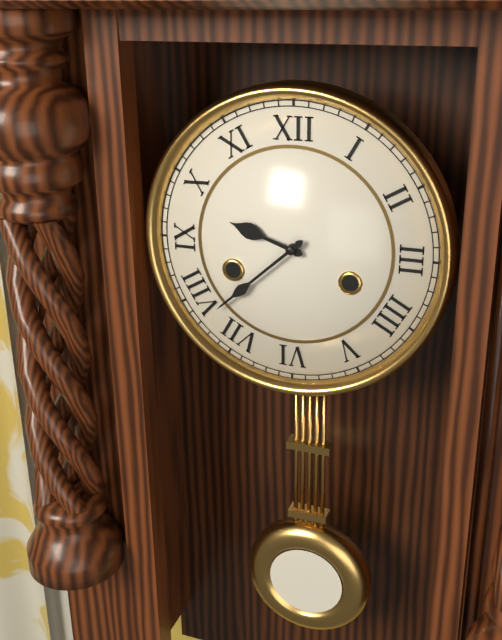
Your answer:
{"hour": 9, "minute": 38}
